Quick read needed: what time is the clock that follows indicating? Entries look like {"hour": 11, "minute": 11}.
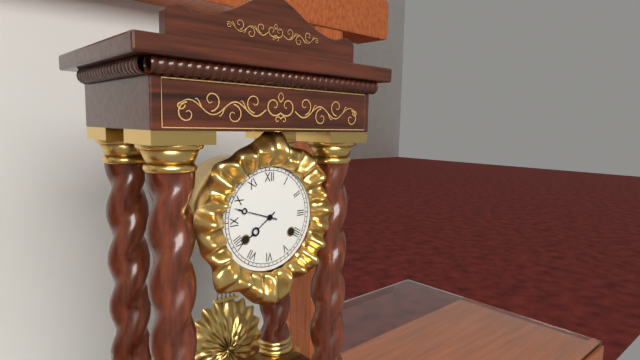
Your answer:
{"hour": 7, "minute": 48}
